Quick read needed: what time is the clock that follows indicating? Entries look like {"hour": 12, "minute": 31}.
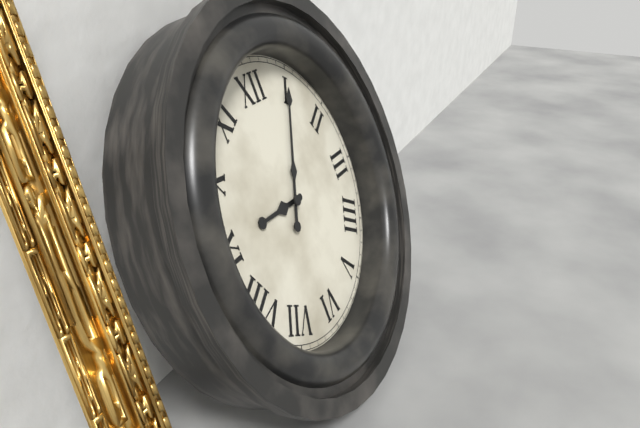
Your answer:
{"hour": 9, "minute": 5}
